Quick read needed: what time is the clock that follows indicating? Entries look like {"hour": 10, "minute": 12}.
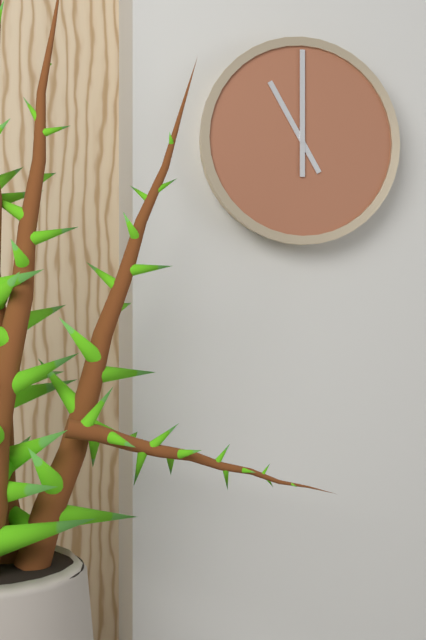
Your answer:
{"hour": 11, "minute": 0}
